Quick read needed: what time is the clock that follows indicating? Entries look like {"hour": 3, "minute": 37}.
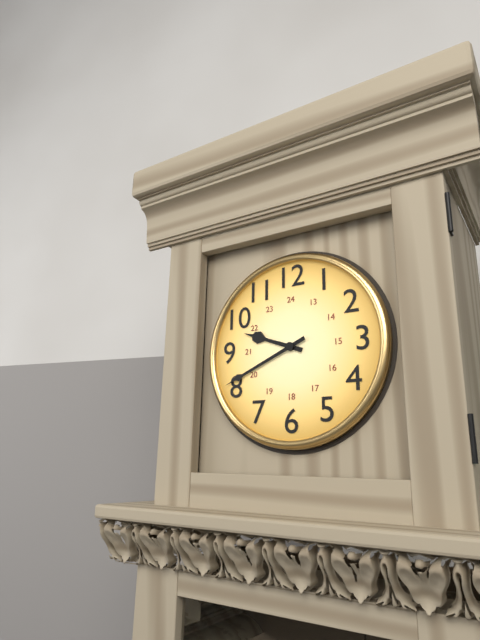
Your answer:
{"hour": 9, "minute": 41}
